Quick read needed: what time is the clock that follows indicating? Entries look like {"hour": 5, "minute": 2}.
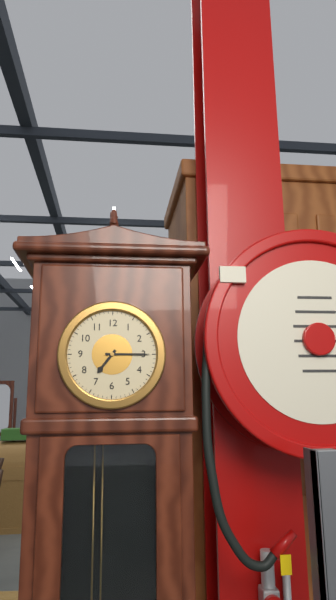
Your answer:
{"hour": 7, "minute": 15}
